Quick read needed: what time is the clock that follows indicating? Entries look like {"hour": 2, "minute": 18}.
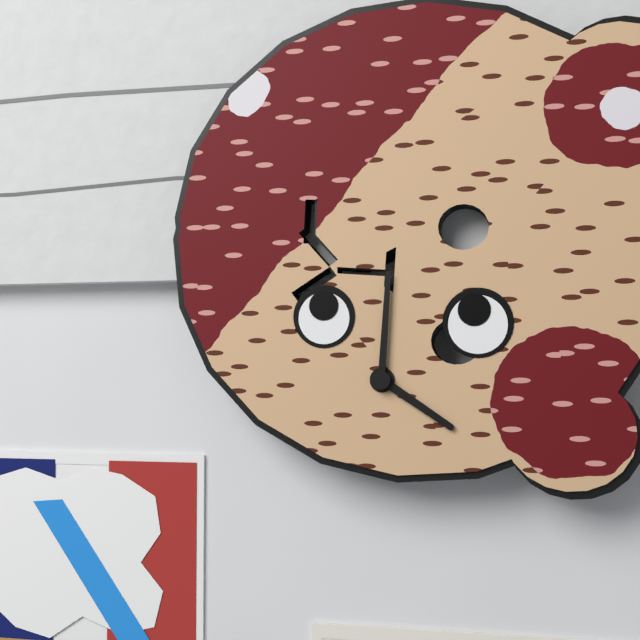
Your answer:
{"hour": 4, "minute": 0}
